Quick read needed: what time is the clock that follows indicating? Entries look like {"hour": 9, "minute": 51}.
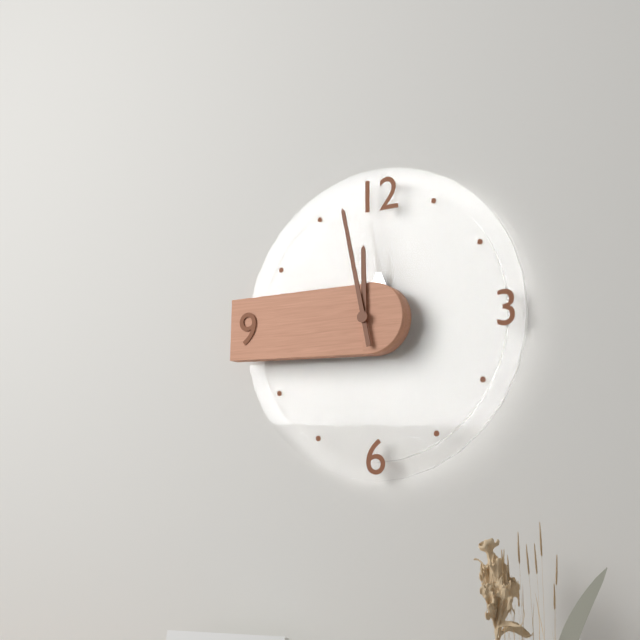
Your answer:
{"hour": 11, "minute": 58}
